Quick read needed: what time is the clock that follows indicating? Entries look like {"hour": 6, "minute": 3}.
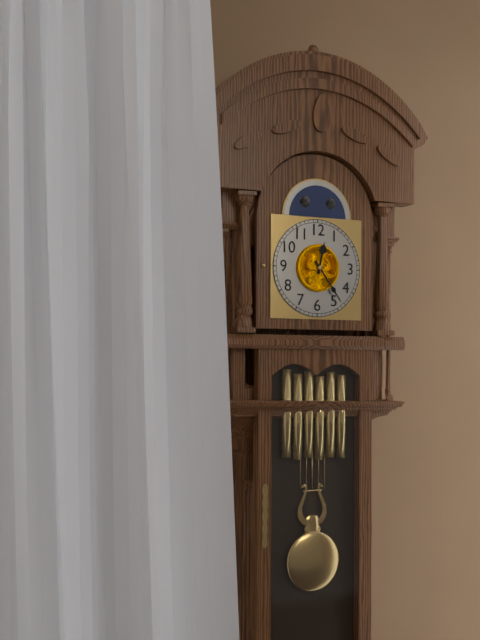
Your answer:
{"hour": 12, "minute": 24}
